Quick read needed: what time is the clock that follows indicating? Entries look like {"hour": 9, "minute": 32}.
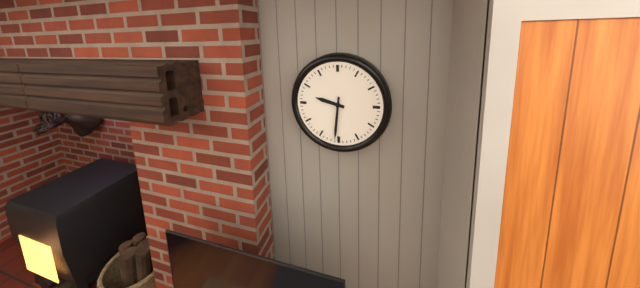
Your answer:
{"hour": 9, "minute": 31}
